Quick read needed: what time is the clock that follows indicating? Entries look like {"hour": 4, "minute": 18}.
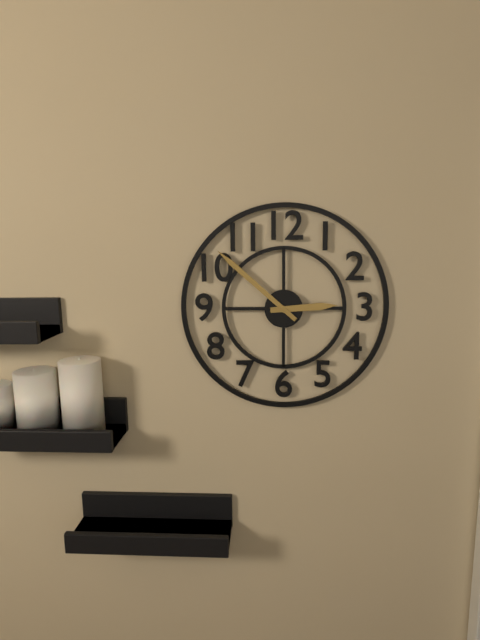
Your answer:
{"hour": 2, "minute": 52}
